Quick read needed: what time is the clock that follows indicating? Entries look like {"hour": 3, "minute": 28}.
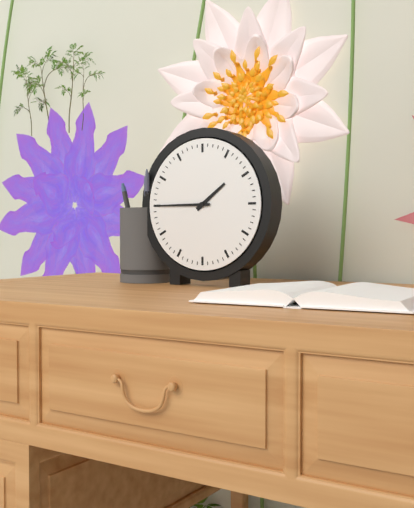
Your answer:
{"hour": 1, "minute": 45}
